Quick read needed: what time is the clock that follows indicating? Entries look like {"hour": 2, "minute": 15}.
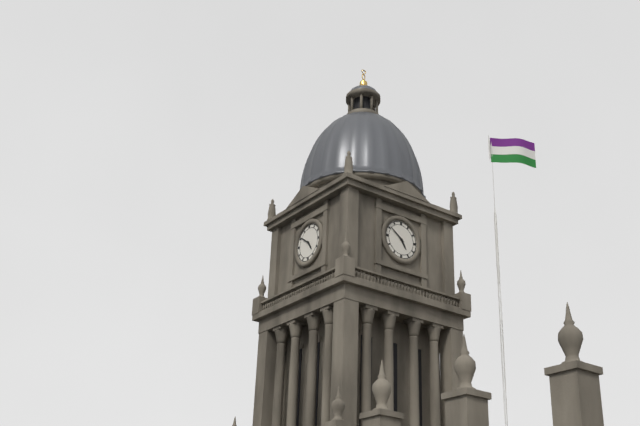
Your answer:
{"hour": 4, "minute": 51}
